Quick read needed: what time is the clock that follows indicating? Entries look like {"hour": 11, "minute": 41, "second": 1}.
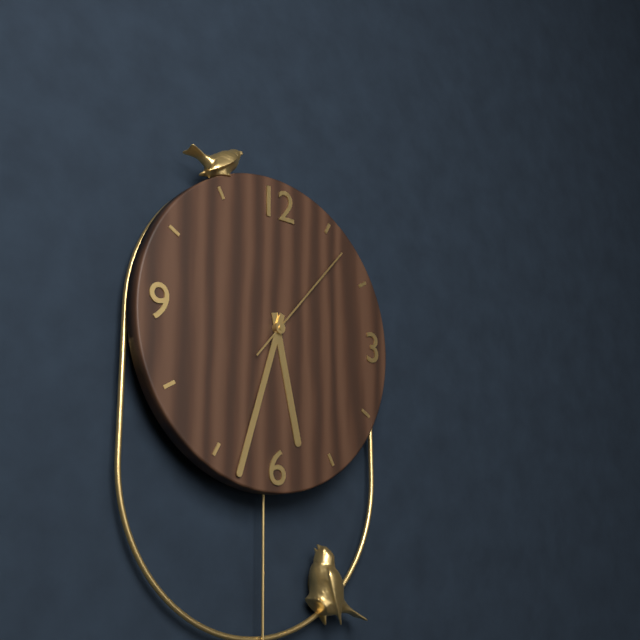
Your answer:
{"hour": 5, "minute": 33, "second": 7}
